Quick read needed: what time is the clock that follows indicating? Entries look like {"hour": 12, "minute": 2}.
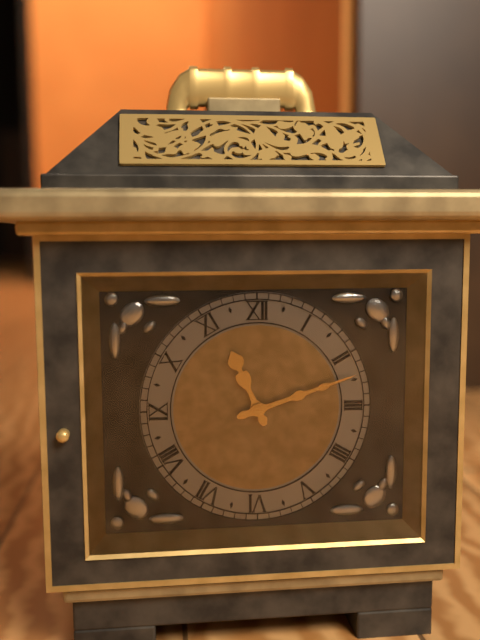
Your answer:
{"hour": 11, "minute": 12}
